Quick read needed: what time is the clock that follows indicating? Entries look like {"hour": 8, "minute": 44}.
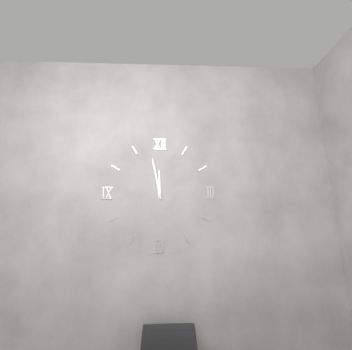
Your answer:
{"hour": 11, "minute": 58}
